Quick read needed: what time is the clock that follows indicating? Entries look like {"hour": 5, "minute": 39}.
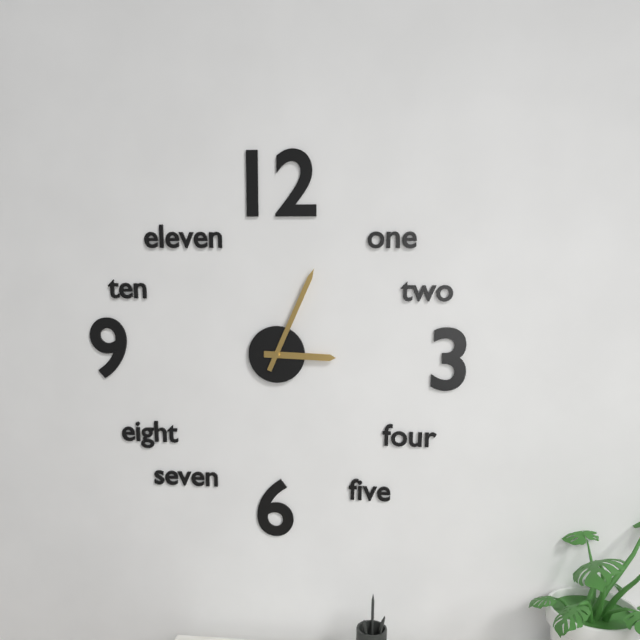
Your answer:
{"hour": 3, "minute": 4}
